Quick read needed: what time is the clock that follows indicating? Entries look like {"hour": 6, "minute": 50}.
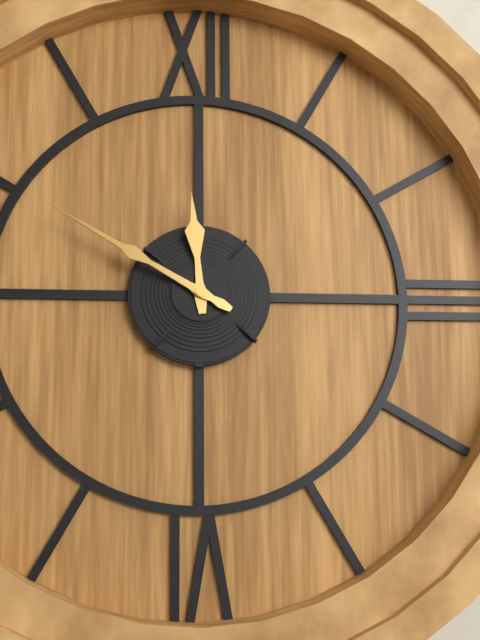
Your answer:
{"hour": 11, "minute": 50}
